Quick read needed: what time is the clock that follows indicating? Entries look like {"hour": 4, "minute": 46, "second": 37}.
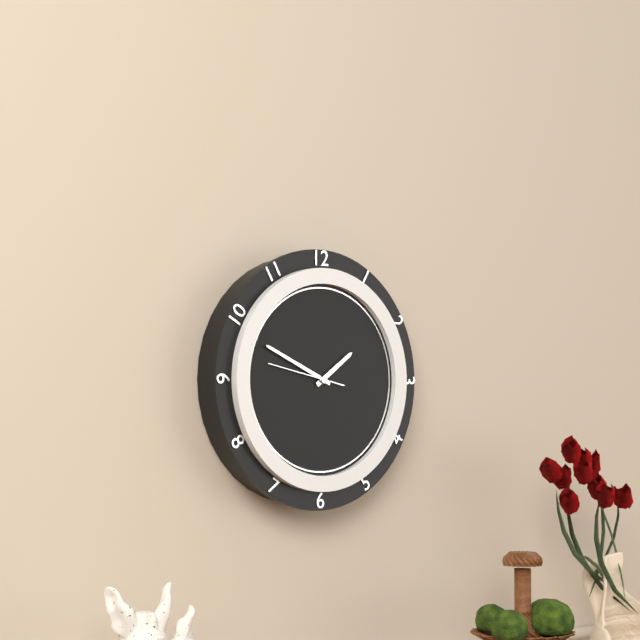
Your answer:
{"hour": 1, "minute": 49, "second": 47}
